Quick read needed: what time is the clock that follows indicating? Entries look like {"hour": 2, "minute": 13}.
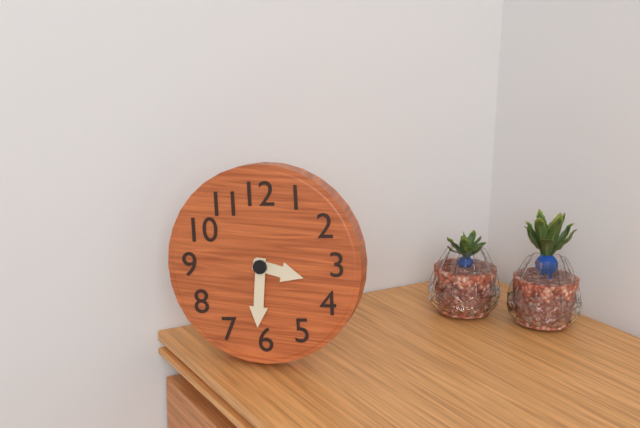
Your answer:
{"hour": 3, "minute": 31}
